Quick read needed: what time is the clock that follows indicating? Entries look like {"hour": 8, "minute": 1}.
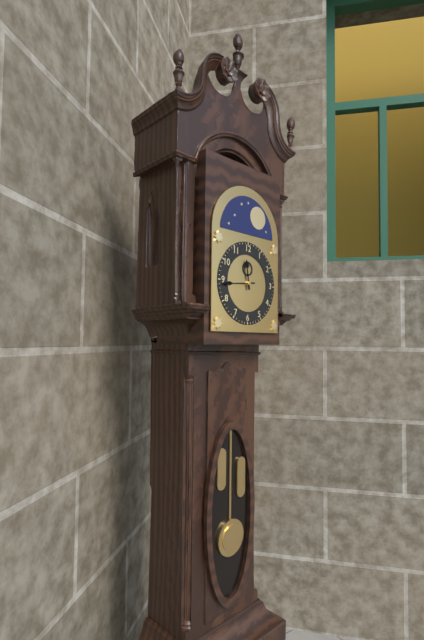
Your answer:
{"hour": 11, "minute": 44}
